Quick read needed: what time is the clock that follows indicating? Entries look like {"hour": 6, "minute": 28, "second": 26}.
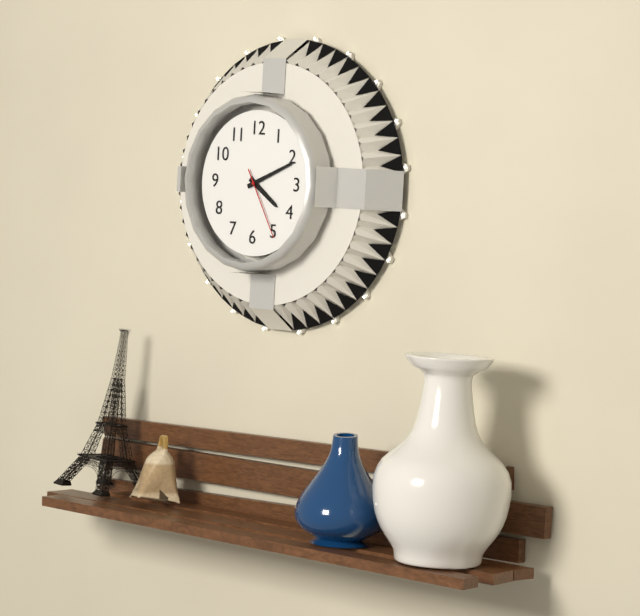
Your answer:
{"hour": 4, "minute": 11, "second": 25}
